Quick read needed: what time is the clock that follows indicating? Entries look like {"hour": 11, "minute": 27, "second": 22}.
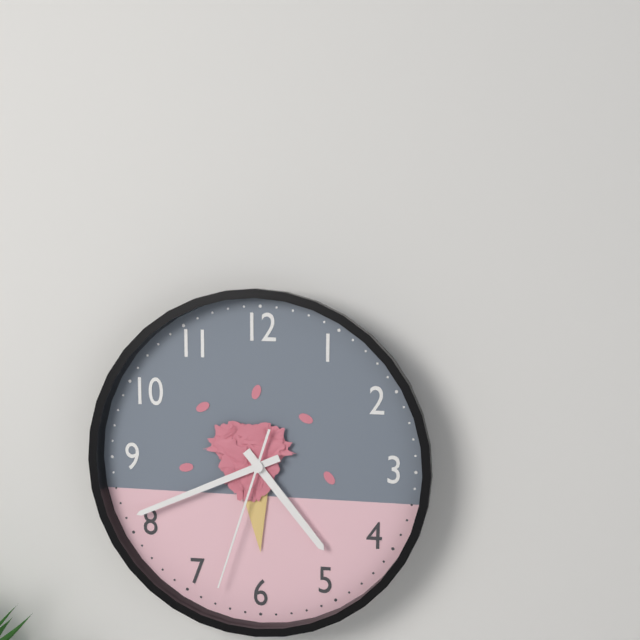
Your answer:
{"hour": 4, "minute": 41, "second": 33}
